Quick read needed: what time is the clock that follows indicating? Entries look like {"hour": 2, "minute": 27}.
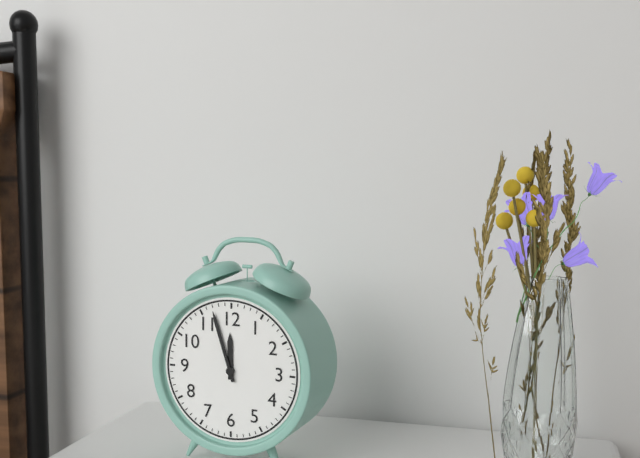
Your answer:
{"hour": 11, "minute": 57}
